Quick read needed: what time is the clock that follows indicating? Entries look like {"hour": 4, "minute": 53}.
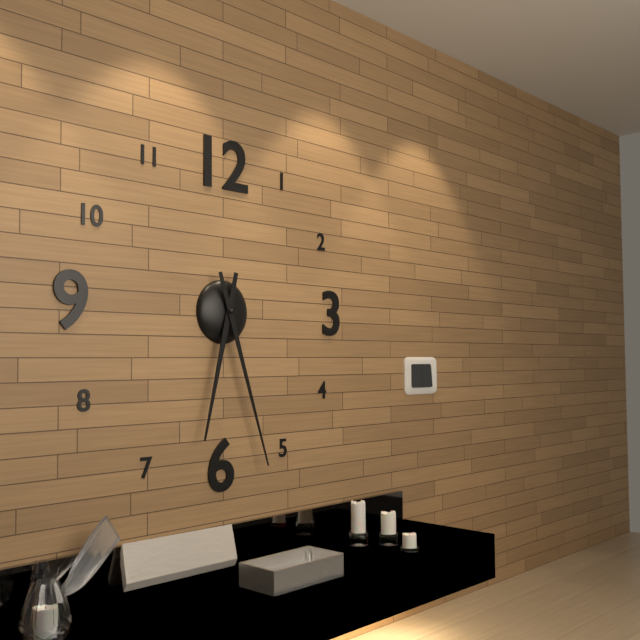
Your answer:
{"hour": 6, "minute": 27}
